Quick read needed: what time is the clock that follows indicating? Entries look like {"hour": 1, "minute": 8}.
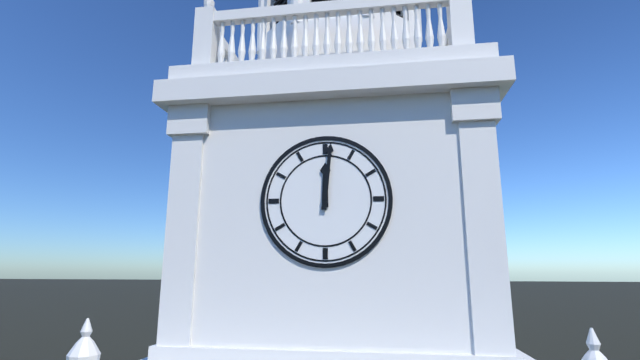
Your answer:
{"hour": 12, "minute": 1}
